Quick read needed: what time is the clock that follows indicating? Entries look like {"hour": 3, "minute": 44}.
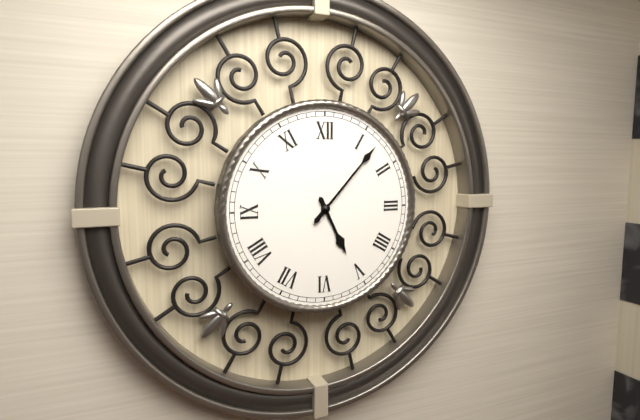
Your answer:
{"hour": 5, "minute": 7}
